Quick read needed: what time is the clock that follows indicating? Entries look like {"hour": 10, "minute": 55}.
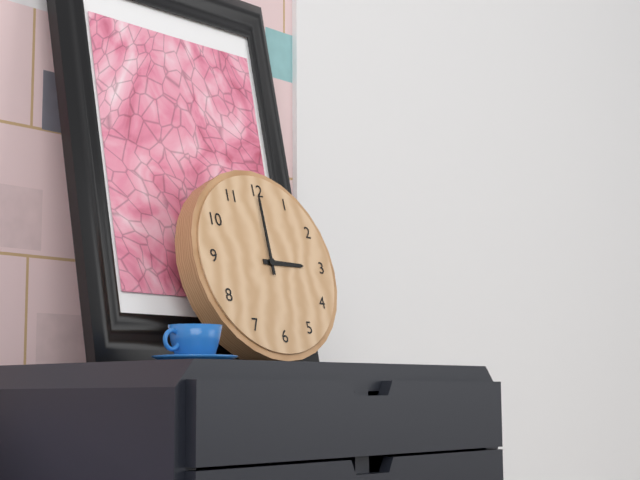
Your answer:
{"hour": 3, "minute": 0}
